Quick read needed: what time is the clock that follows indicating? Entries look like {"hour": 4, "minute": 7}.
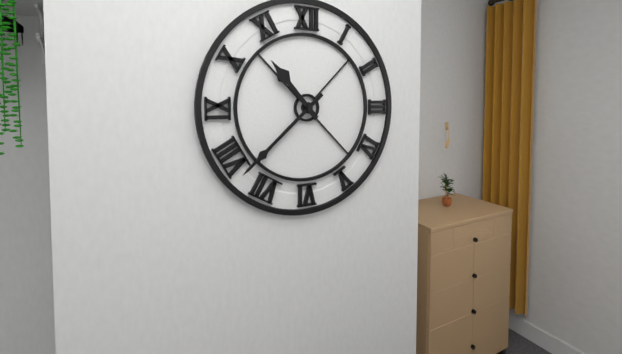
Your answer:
{"hour": 10, "minute": 38}
